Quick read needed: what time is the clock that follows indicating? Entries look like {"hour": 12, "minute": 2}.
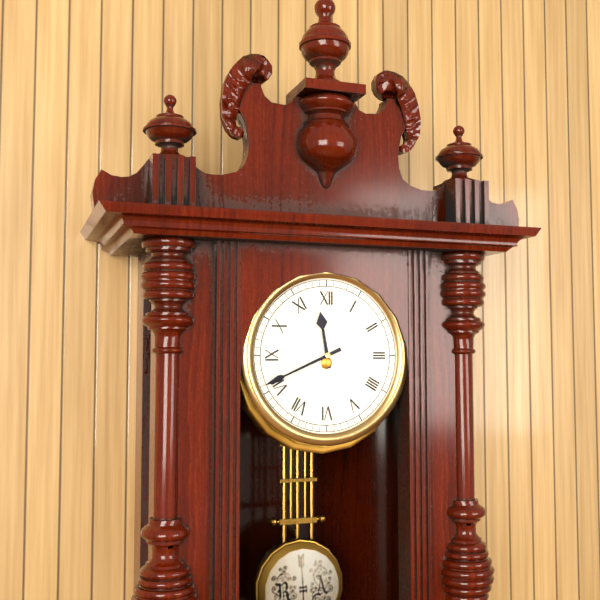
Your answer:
{"hour": 11, "minute": 41}
